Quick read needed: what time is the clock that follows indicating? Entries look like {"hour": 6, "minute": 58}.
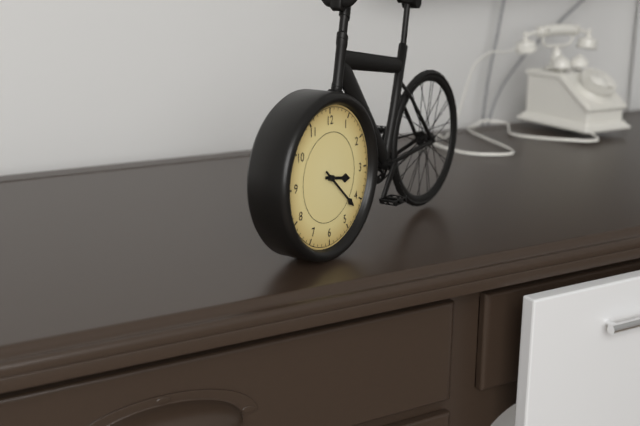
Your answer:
{"hour": 3, "minute": 22}
